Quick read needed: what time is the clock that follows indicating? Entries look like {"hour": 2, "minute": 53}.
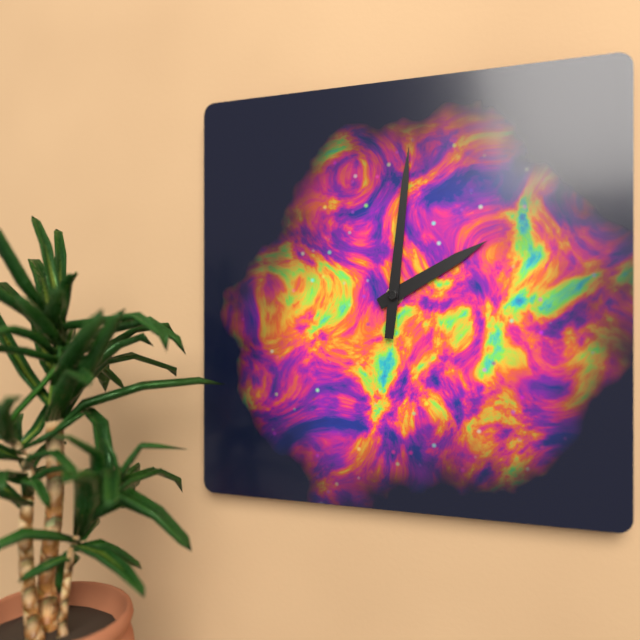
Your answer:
{"hour": 2, "minute": 1}
